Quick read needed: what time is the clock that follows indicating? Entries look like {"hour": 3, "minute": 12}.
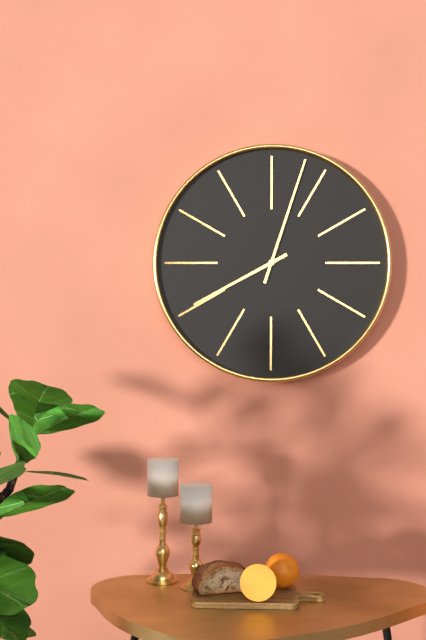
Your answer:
{"hour": 8, "minute": 3}
